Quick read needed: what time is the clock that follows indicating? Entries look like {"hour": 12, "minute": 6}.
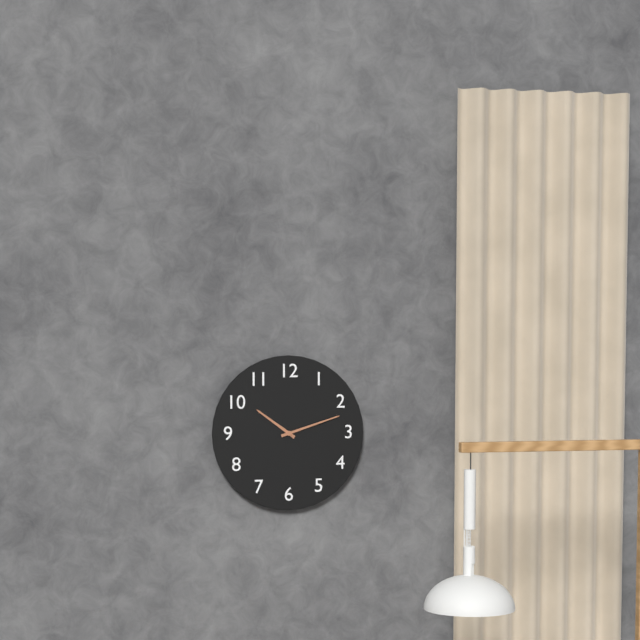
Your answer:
{"hour": 10, "minute": 12}
